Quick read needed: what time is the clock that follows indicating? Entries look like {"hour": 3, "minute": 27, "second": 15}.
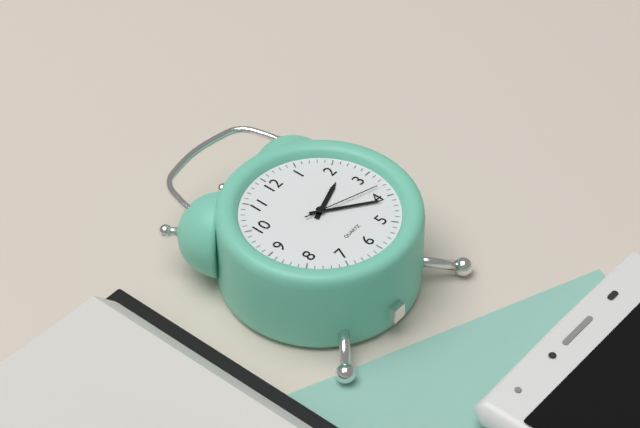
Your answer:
{"hour": 2, "minute": 21, "second": 18}
